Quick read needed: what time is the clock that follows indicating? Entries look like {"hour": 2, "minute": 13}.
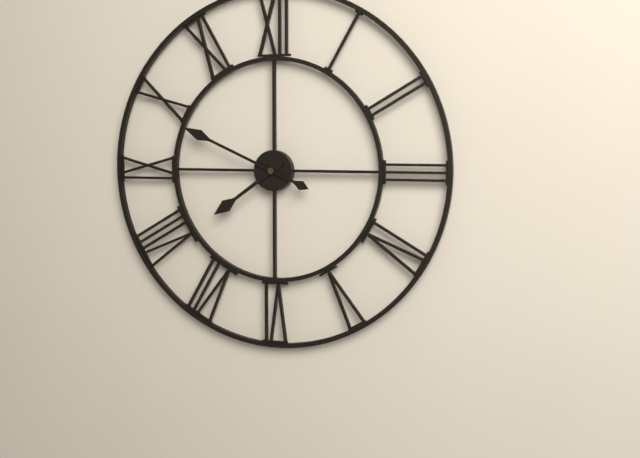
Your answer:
{"hour": 7, "minute": 49}
